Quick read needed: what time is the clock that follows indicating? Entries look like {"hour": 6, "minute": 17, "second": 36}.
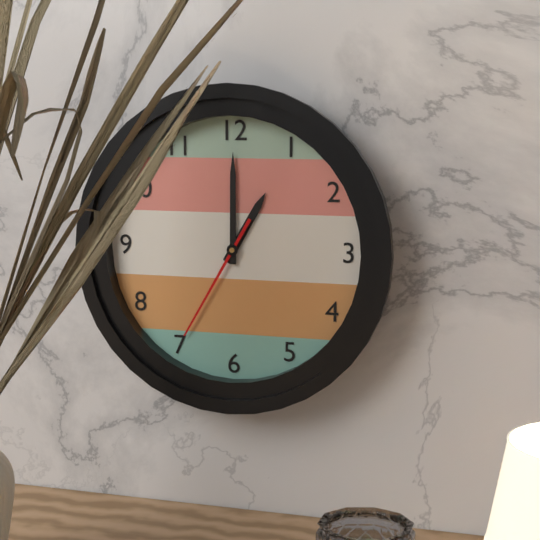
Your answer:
{"hour": 1, "minute": 0, "second": 35}
